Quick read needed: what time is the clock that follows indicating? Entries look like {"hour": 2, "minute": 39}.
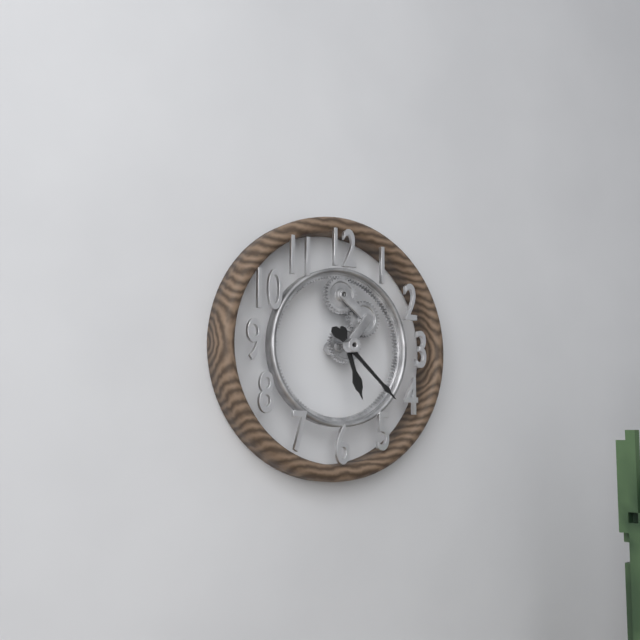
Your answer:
{"hour": 5, "minute": 22}
